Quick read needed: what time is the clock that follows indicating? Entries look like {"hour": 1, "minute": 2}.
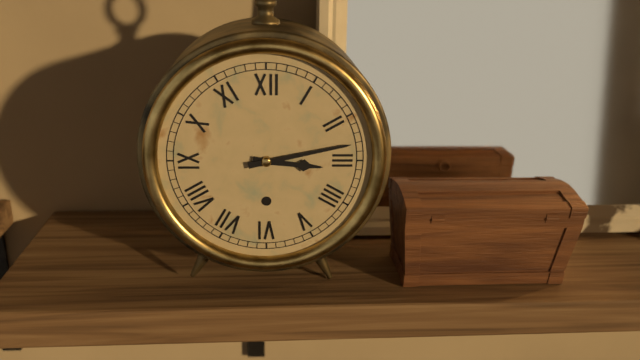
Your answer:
{"hour": 3, "minute": 13}
